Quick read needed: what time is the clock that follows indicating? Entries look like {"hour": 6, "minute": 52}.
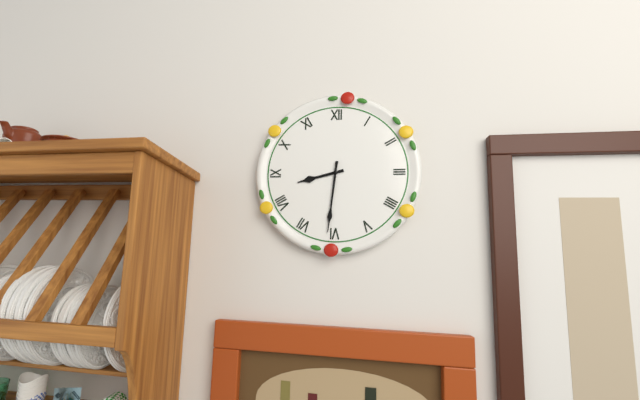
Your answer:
{"hour": 8, "minute": 31}
